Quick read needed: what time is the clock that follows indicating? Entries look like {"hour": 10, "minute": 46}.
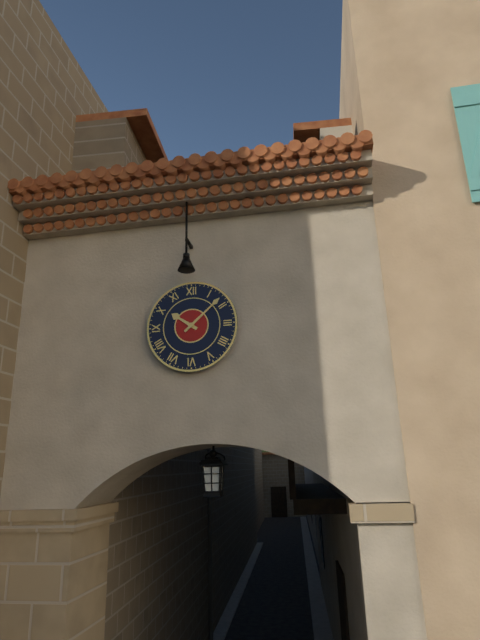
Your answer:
{"hour": 10, "minute": 8}
